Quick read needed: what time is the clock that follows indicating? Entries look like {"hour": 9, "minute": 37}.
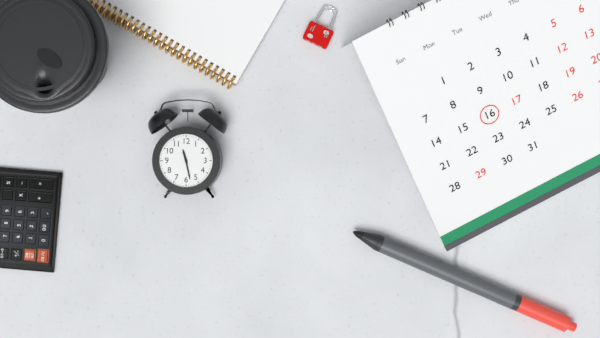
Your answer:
{"hour": 11, "minute": 28}
